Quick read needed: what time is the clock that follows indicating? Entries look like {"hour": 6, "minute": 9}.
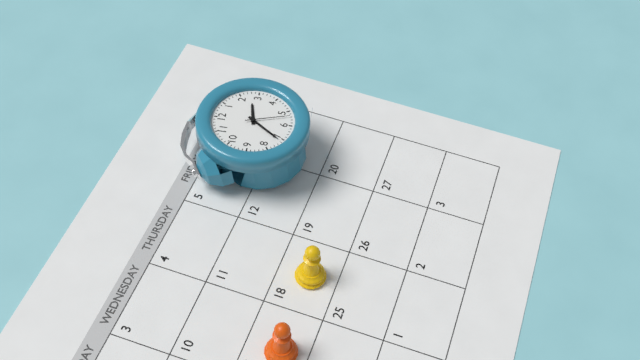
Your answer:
{"hour": 2, "minute": 36}
